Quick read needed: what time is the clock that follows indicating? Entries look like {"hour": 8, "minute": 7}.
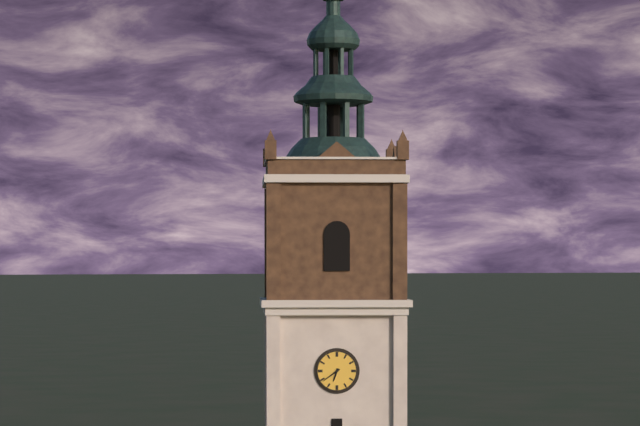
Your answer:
{"hour": 6, "minute": 39}
